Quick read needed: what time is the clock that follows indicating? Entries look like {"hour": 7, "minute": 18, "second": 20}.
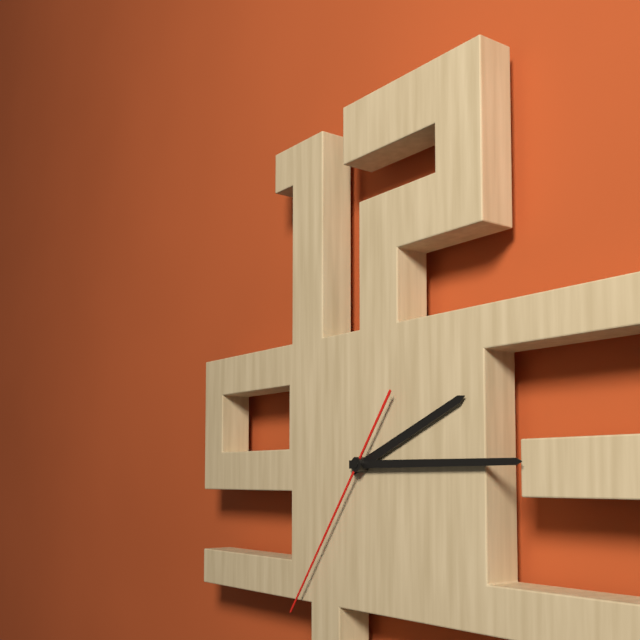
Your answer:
{"hour": 2, "minute": 15, "second": 36}
